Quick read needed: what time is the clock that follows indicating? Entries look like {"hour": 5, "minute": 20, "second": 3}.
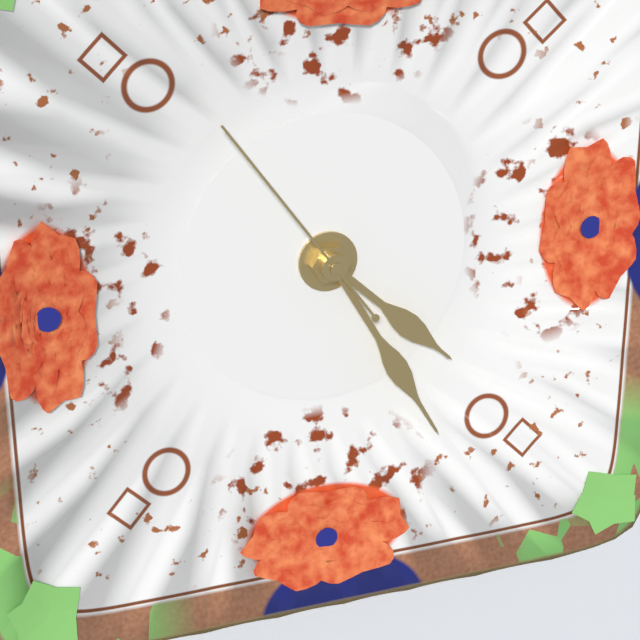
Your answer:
{"hour": 4, "minute": 25, "second": 54}
